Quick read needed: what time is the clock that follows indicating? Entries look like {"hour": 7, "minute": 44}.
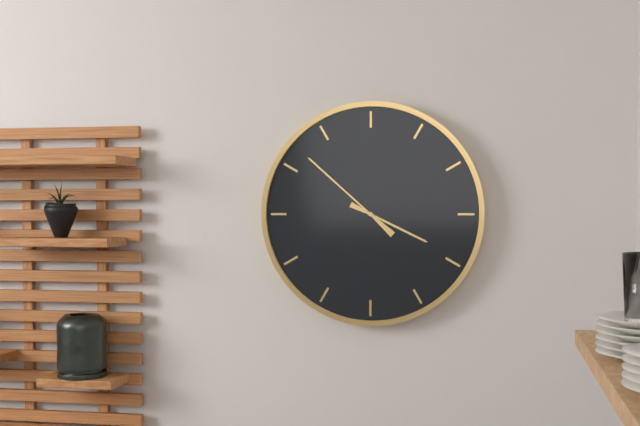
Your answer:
{"hour": 3, "minute": 52}
